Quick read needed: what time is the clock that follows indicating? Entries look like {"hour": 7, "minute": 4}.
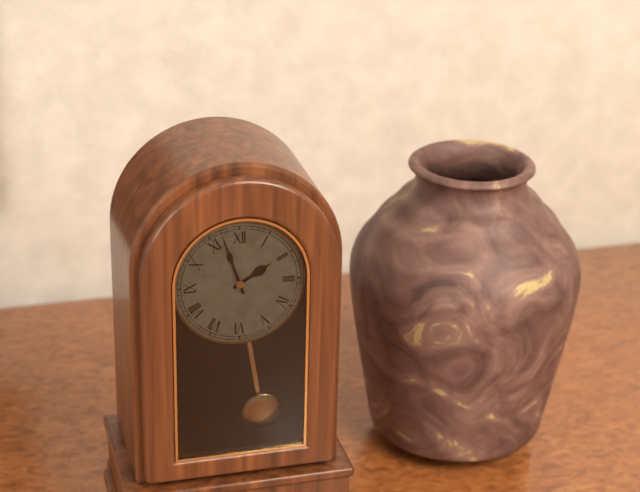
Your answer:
{"hour": 1, "minute": 57}
